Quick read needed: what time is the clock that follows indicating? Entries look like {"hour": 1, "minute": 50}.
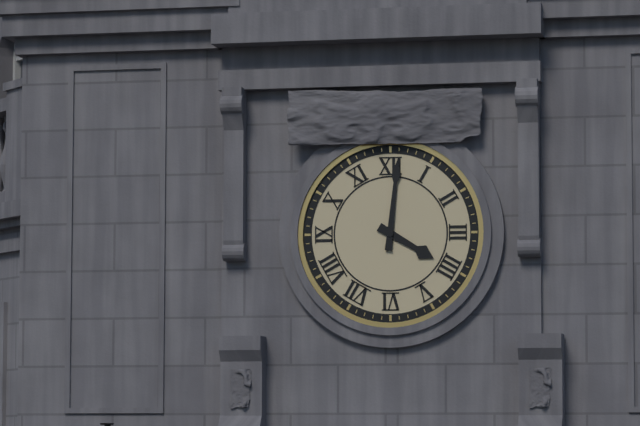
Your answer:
{"hour": 4, "minute": 1}
